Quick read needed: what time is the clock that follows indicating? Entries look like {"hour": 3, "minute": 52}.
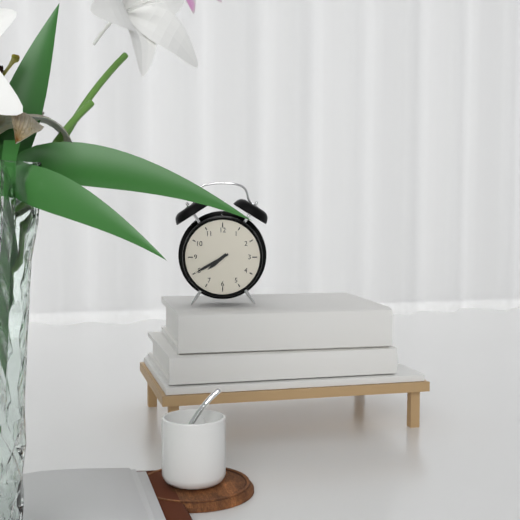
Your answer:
{"hour": 7, "minute": 40}
